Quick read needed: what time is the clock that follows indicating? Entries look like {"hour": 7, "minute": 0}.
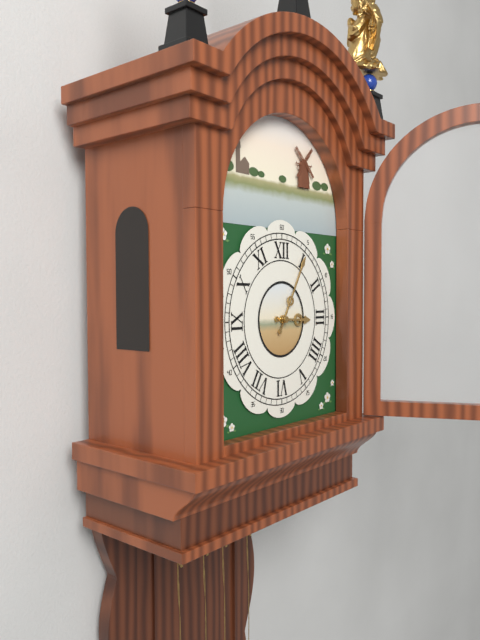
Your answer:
{"hour": 3, "minute": 5}
